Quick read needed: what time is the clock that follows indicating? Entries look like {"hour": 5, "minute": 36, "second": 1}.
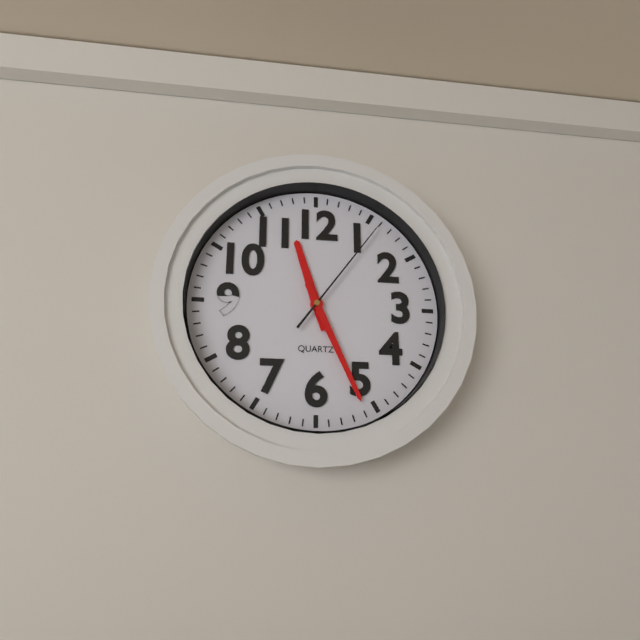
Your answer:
{"hour": 11, "minute": 26, "second": 6}
